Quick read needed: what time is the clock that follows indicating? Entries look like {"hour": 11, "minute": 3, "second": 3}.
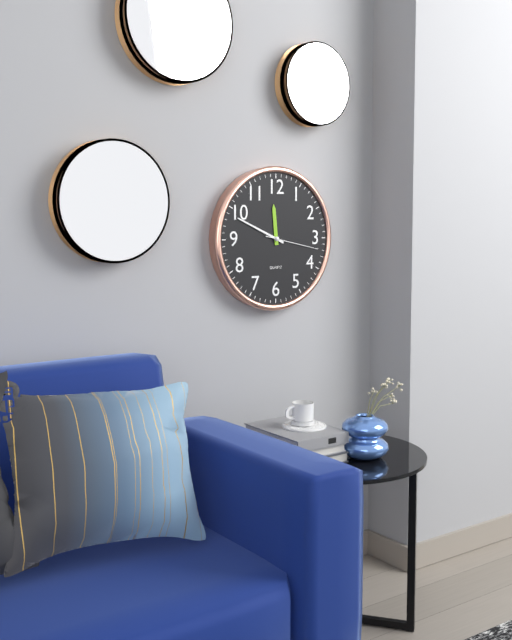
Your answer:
{"hour": 11, "minute": 49, "second": 17}
